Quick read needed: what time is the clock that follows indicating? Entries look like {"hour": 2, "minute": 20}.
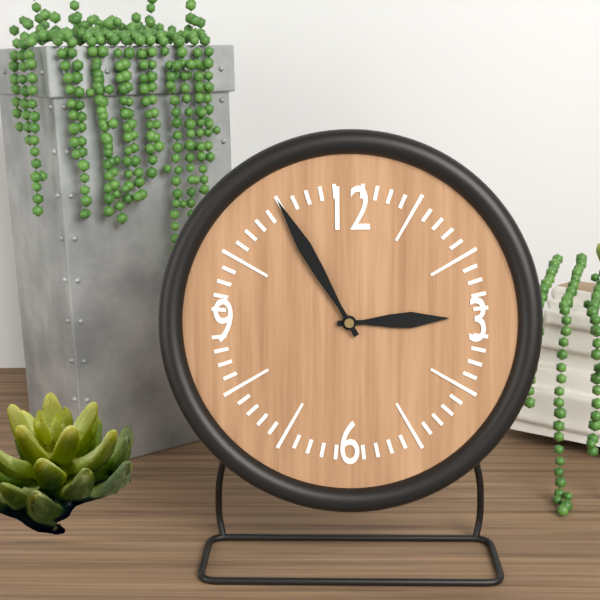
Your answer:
{"hour": 2, "minute": 55}
